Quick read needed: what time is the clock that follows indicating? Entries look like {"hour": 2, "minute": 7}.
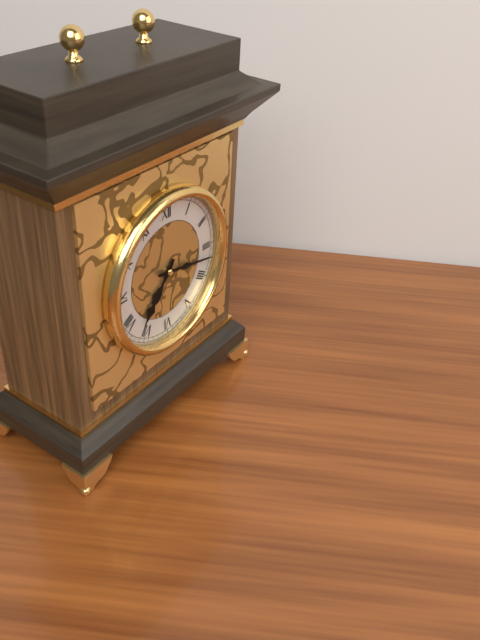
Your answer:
{"hour": 7, "minute": 17}
